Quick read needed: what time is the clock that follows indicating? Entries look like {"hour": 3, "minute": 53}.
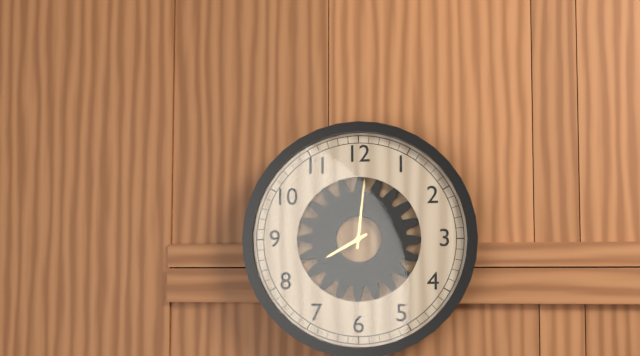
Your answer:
{"hour": 8, "minute": 1}
